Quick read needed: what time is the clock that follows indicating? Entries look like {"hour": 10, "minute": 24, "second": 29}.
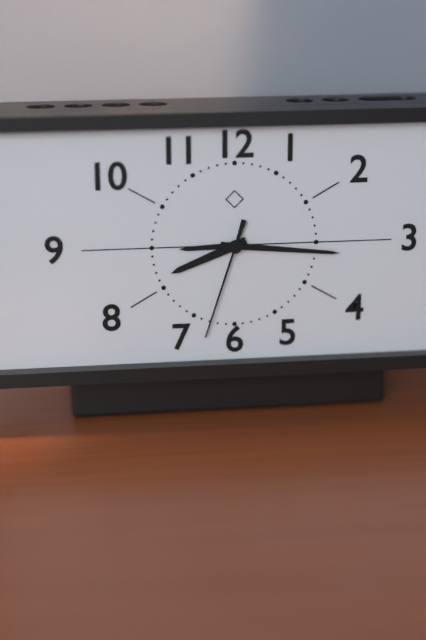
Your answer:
{"hour": 8, "minute": 16, "second": 33}
